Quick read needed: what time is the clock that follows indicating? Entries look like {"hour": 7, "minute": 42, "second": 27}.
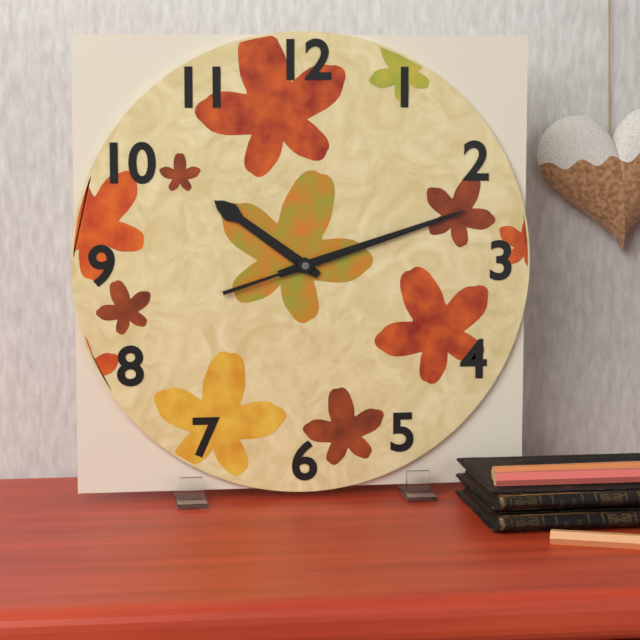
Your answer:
{"hour": 10, "minute": 12, "second": 12}
